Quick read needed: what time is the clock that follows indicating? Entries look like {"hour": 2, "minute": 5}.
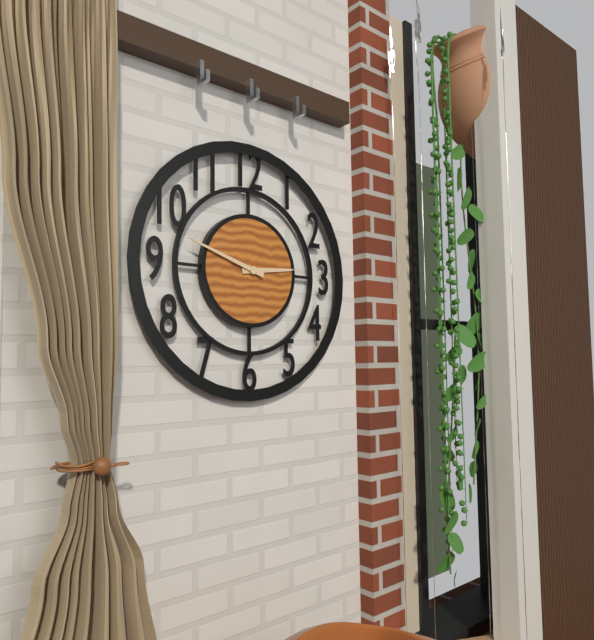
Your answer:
{"hour": 2, "minute": 48}
